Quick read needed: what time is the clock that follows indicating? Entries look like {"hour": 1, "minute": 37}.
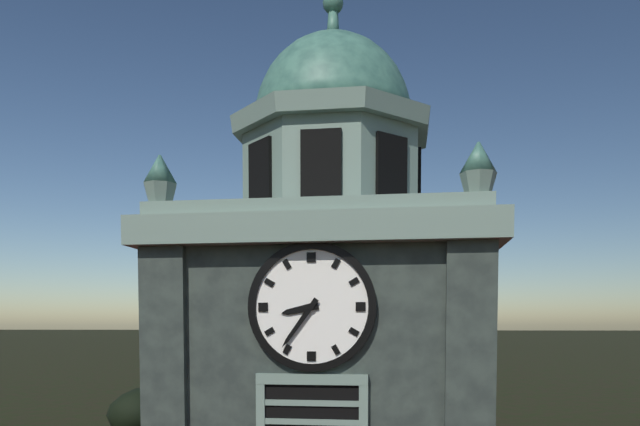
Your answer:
{"hour": 8, "minute": 36}
